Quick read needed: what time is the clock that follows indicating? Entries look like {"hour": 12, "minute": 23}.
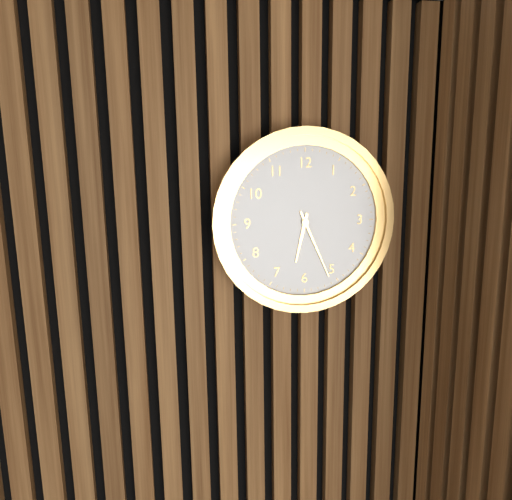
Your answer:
{"hour": 6, "minute": 26}
